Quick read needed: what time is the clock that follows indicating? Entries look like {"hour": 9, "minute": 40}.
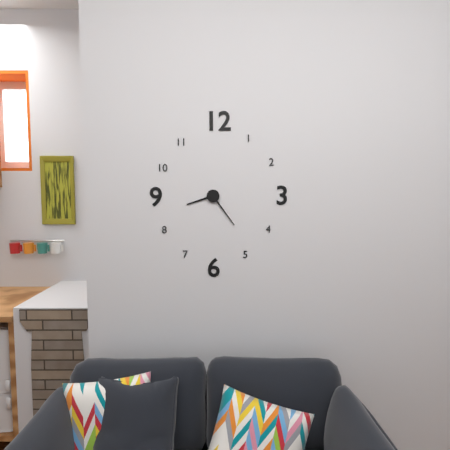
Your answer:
{"hour": 8, "minute": 24}
